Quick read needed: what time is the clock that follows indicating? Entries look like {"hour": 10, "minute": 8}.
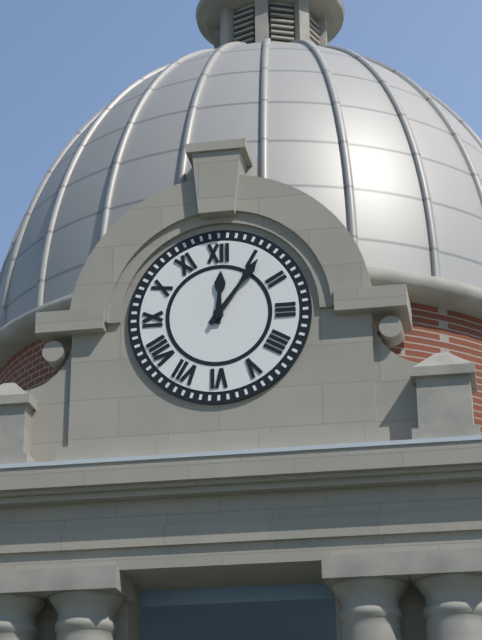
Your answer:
{"hour": 12, "minute": 6}
